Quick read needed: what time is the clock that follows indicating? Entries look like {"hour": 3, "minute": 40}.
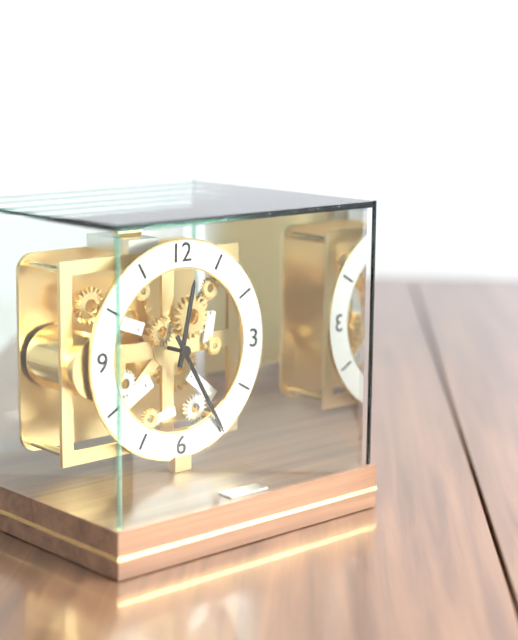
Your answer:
{"hour": 12, "minute": 25}
